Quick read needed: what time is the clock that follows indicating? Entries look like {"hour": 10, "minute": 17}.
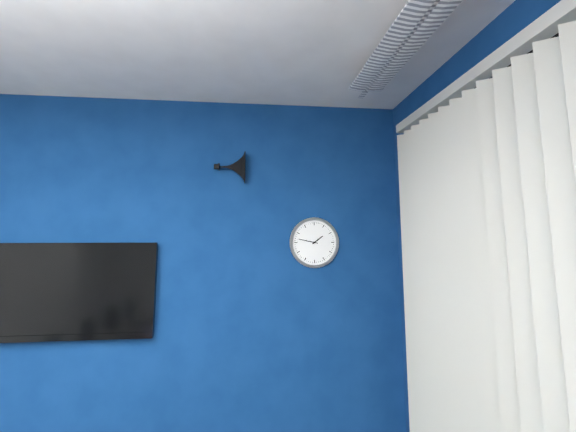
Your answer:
{"hour": 1, "minute": 47}
